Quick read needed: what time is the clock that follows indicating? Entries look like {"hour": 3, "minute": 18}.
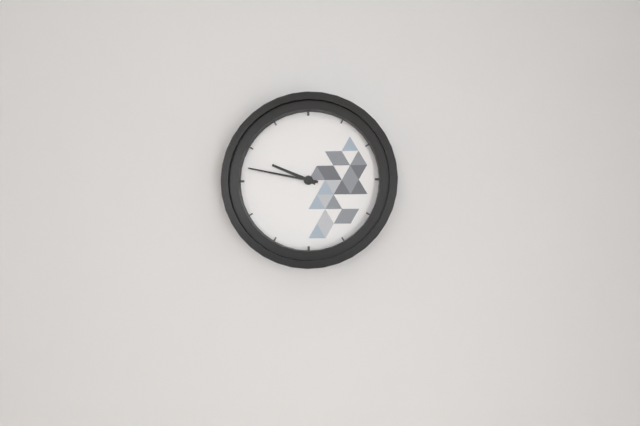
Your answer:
{"hour": 9, "minute": 47}
